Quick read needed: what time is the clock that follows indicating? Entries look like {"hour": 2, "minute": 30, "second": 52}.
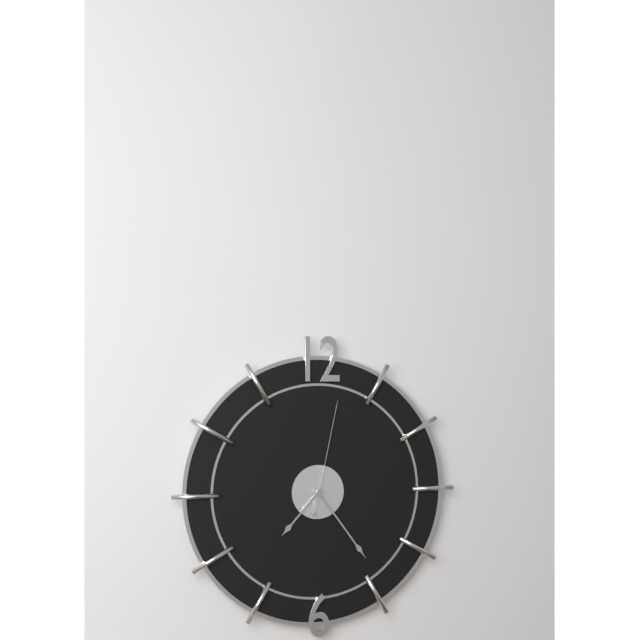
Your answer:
{"hour": 7, "minute": 24, "second": 2}
